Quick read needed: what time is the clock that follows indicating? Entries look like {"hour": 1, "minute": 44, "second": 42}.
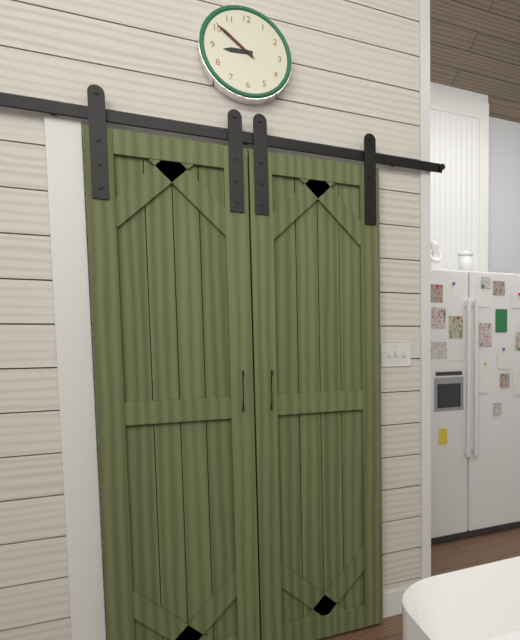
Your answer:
{"hour": 8, "minute": 51, "second": 51}
